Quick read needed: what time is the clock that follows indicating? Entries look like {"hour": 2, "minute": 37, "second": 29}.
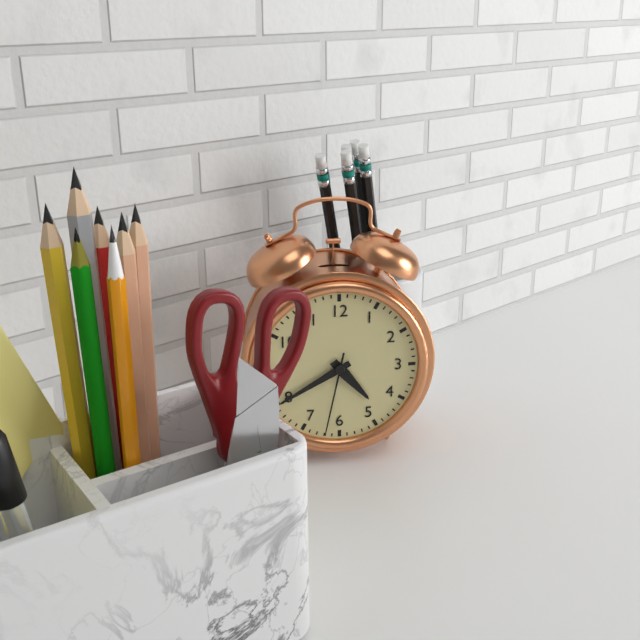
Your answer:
{"hour": 4, "minute": 40, "second": 32}
